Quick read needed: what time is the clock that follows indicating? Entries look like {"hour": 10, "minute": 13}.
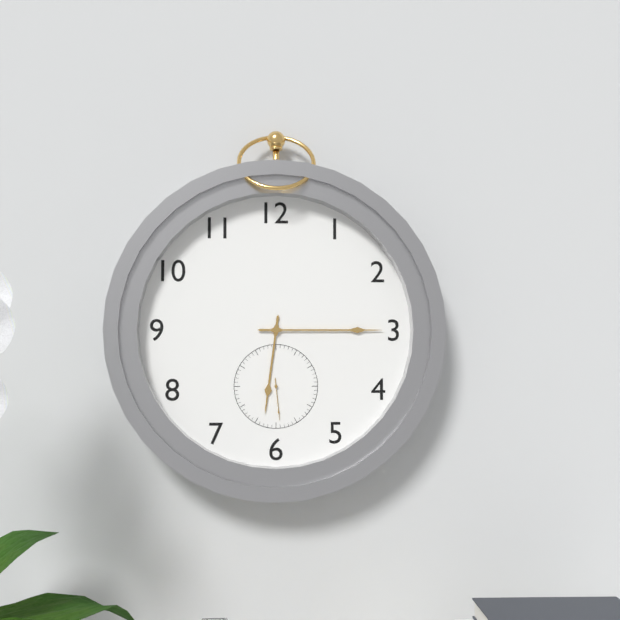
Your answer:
{"hour": 6, "minute": 15}
